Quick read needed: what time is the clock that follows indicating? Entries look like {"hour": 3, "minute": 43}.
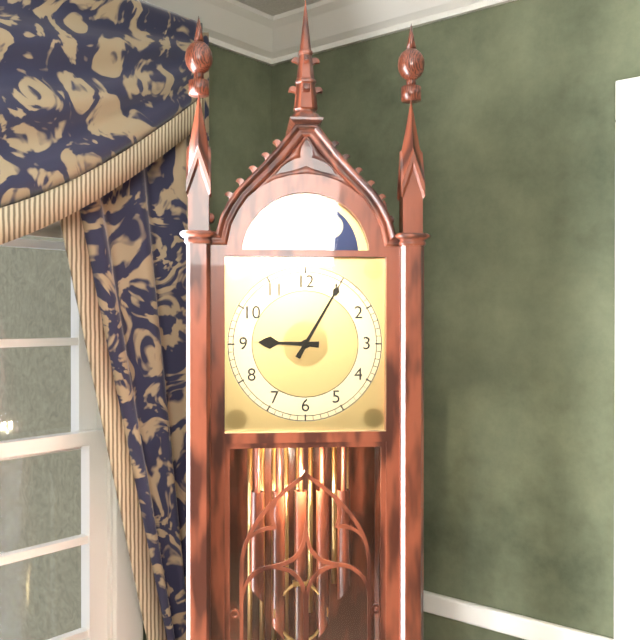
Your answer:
{"hour": 9, "minute": 5}
